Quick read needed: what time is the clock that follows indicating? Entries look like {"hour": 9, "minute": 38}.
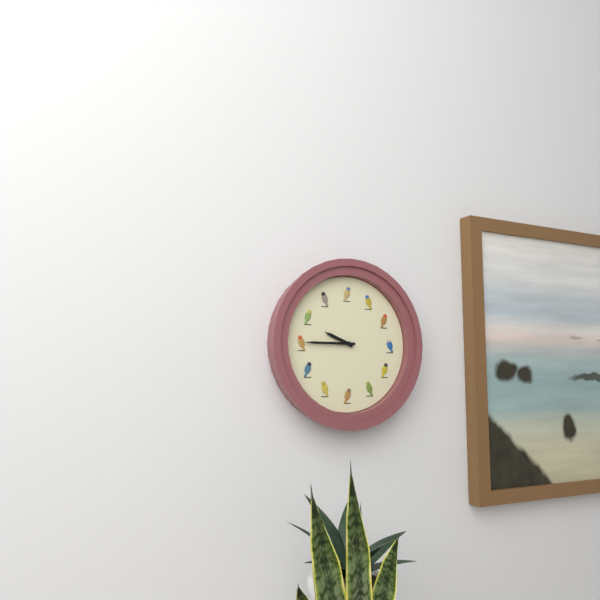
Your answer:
{"hour": 9, "minute": 45}
